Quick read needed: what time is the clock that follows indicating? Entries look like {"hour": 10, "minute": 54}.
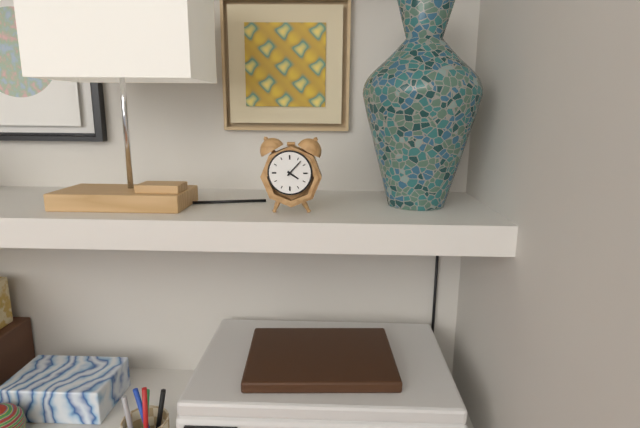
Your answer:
{"hour": 4, "minute": 7}
